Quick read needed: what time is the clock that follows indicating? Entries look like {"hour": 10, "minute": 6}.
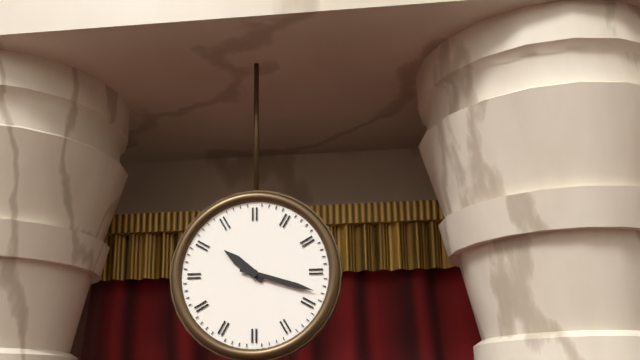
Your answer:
{"hour": 10, "minute": 18}
